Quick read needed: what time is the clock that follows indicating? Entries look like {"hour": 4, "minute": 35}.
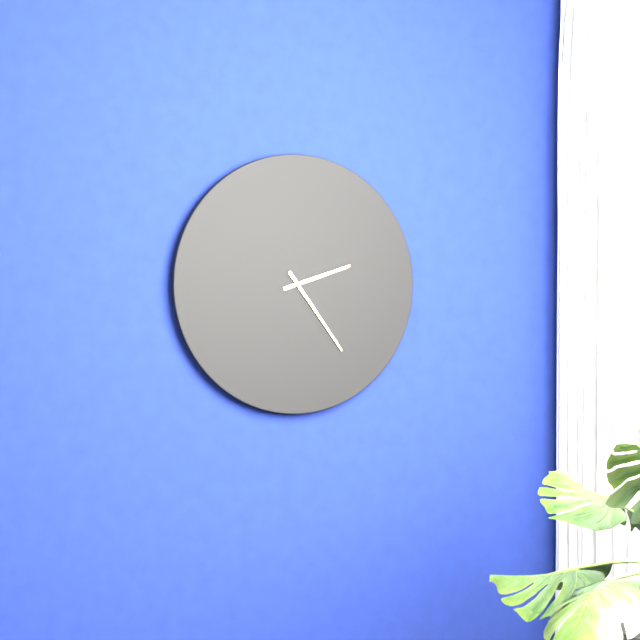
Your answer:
{"hour": 2, "minute": 24}
